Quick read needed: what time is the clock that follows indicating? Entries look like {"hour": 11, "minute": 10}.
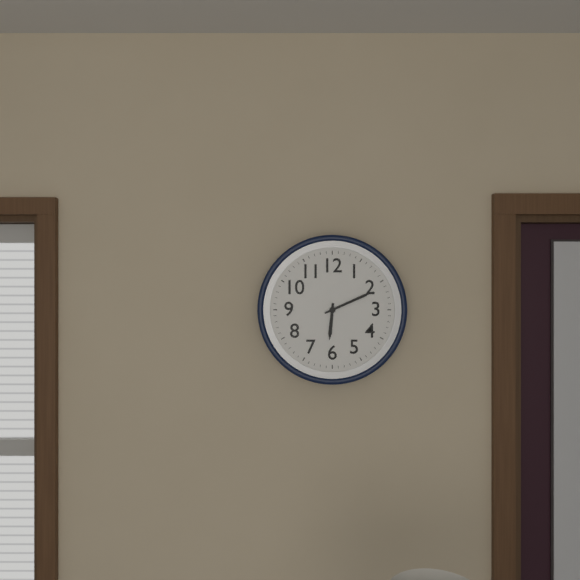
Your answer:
{"hour": 6, "minute": 11}
